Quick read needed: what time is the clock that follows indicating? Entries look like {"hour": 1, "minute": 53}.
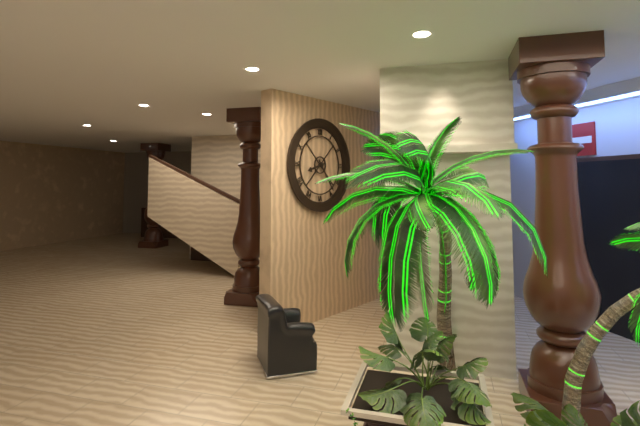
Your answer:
{"hour": 8, "minute": 24}
